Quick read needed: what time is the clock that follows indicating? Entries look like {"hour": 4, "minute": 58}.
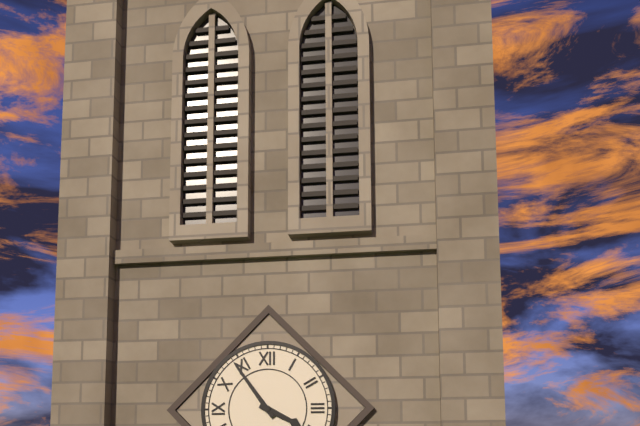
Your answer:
{"hour": 3, "minute": 54}
